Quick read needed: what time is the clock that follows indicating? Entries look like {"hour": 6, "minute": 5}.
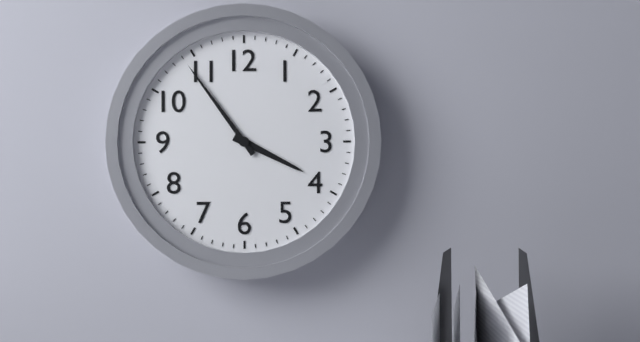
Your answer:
{"hour": 3, "minute": 54}
